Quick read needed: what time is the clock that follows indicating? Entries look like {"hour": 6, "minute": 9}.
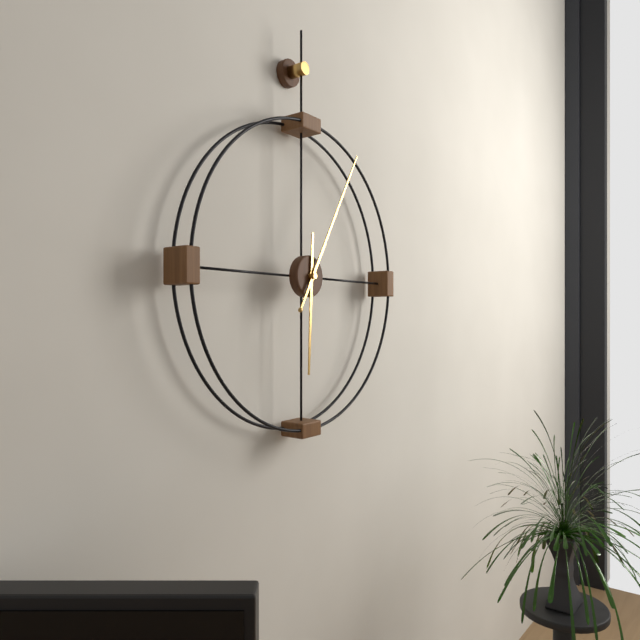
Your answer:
{"hour": 6, "minute": 5}
